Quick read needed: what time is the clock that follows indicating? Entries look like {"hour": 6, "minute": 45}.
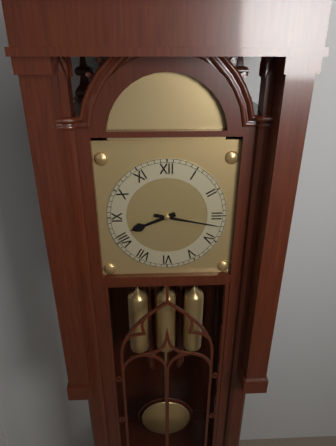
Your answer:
{"hour": 8, "minute": 17}
